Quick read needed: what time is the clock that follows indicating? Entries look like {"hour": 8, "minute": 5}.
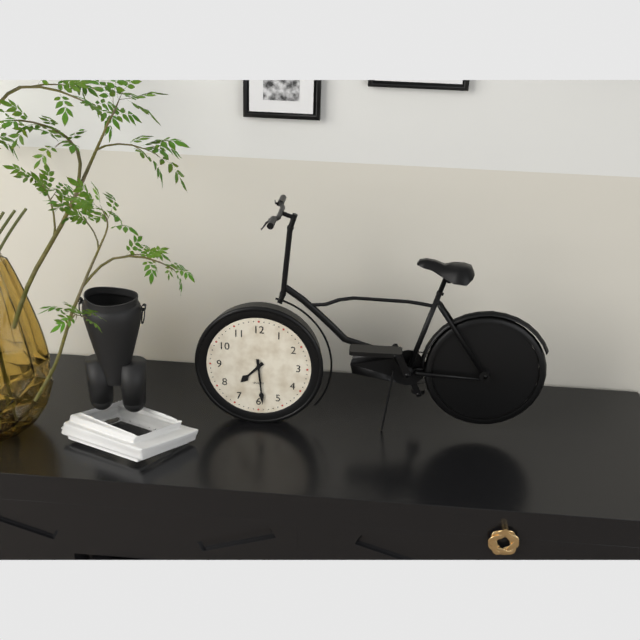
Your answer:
{"hour": 7, "minute": 29}
